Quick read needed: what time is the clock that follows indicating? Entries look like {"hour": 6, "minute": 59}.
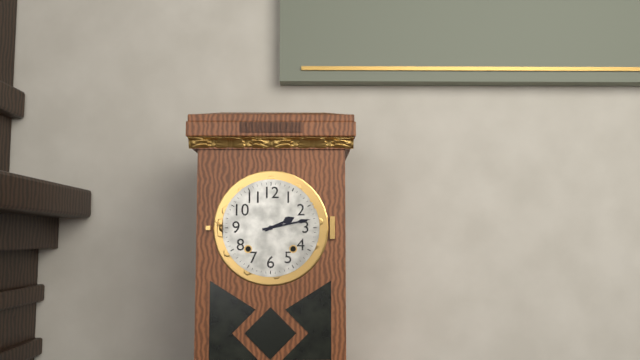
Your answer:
{"hour": 2, "minute": 13}
